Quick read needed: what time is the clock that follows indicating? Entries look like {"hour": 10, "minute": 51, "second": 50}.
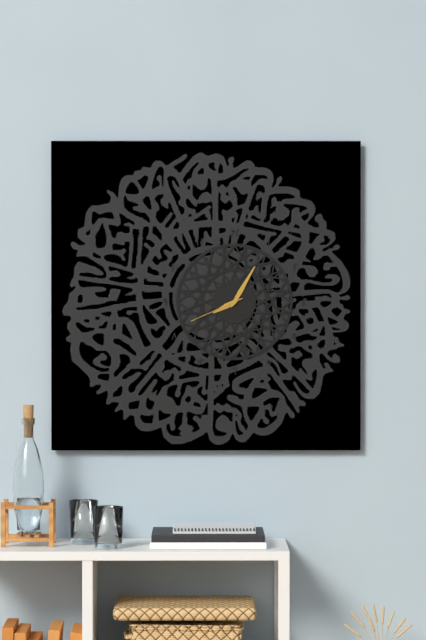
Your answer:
{"hour": 8, "minute": 5, "second": 41}
